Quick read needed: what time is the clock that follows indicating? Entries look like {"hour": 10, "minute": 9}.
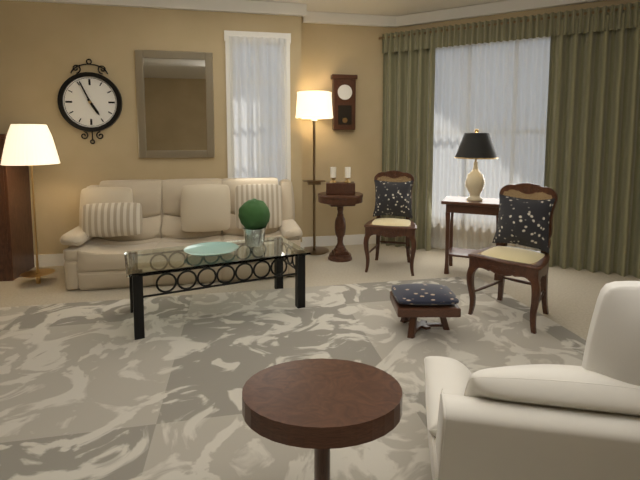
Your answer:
{"hour": 4, "minute": 56}
